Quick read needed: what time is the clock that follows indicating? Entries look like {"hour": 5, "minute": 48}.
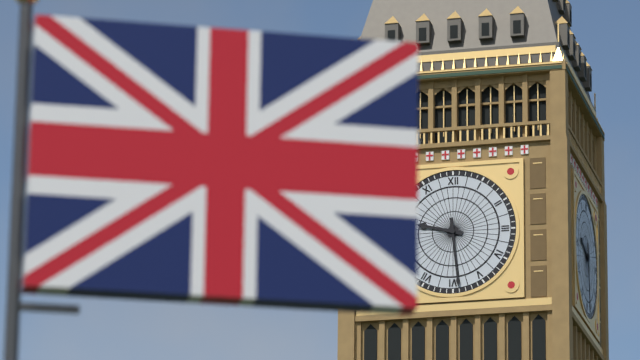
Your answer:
{"hour": 9, "minute": 29}
